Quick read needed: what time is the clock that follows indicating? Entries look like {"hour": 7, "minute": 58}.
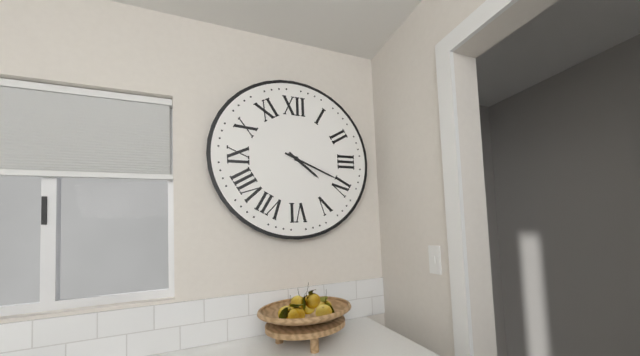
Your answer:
{"hour": 4, "minute": 19}
